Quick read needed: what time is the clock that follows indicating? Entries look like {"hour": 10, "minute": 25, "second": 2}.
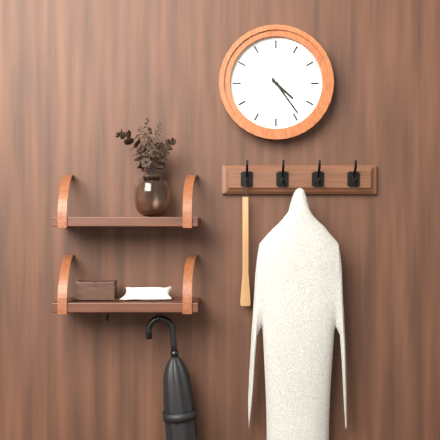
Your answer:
{"hour": 4, "minute": 24, "second": 39}
